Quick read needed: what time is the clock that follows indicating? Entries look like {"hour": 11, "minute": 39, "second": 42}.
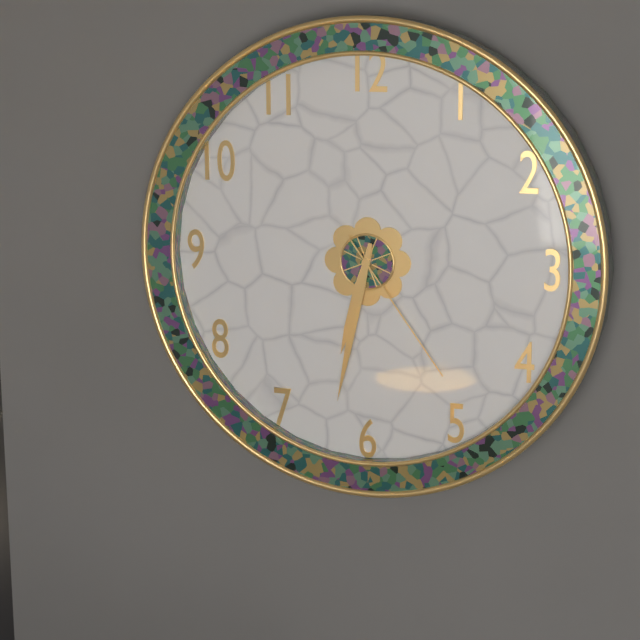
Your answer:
{"hour": 6, "minute": 32, "second": 24}
